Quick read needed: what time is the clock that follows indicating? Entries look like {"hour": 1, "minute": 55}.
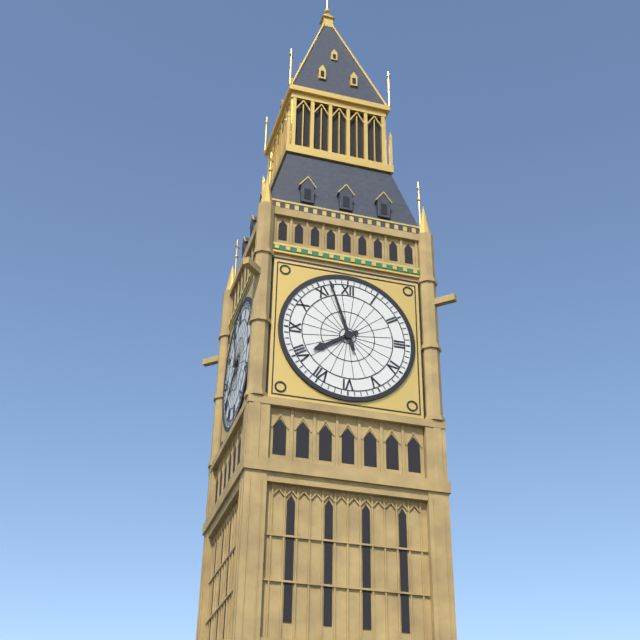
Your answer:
{"hour": 7, "minute": 57}
